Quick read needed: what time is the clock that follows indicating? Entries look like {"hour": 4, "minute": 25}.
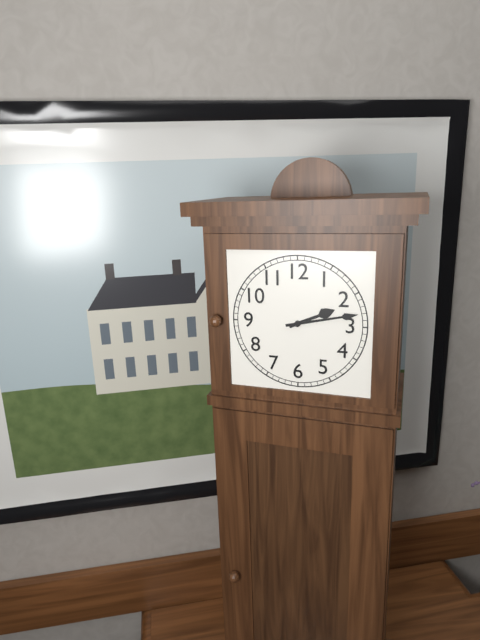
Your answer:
{"hour": 2, "minute": 13}
